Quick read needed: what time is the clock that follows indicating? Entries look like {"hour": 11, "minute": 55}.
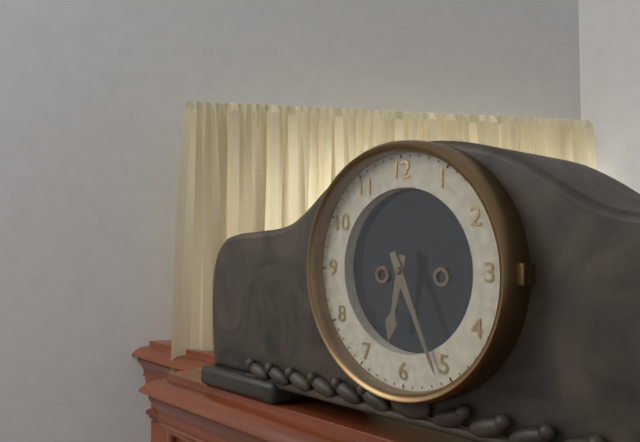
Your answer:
{"hour": 6, "minute": 26}
